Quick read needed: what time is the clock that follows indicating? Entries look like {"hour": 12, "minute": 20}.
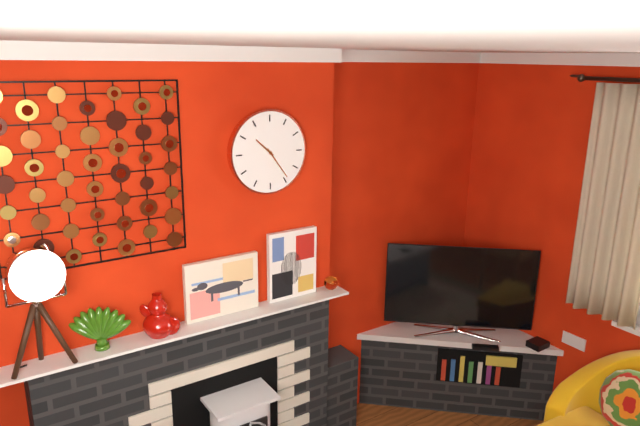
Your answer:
{"hour": 10, "minute": 24}
